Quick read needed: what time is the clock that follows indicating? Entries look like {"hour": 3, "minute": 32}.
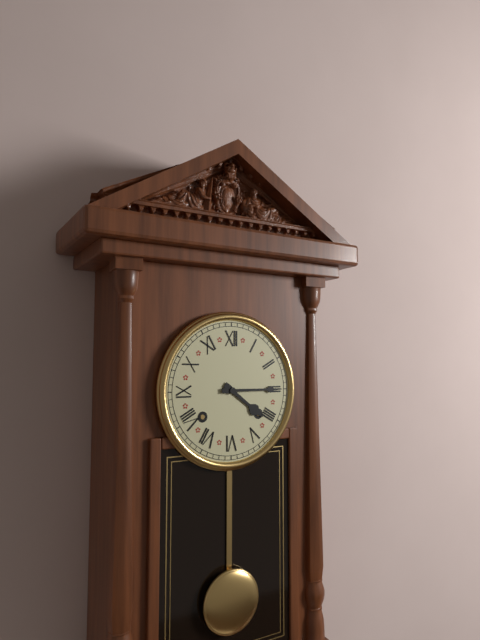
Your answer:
{"hour": 4, "minute": 15}
